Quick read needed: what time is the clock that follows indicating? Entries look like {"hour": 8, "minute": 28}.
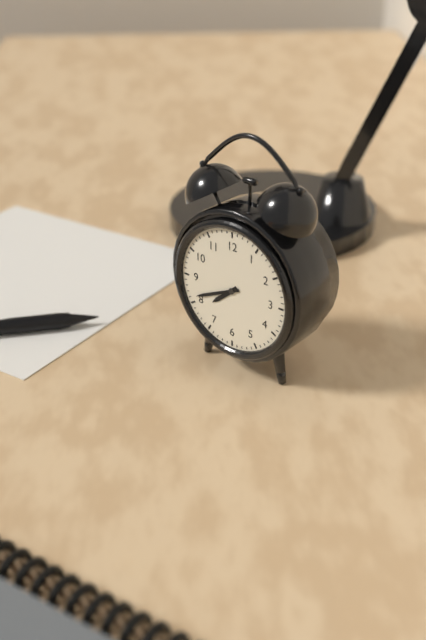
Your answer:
{"hour": 7, "minute": 41}
